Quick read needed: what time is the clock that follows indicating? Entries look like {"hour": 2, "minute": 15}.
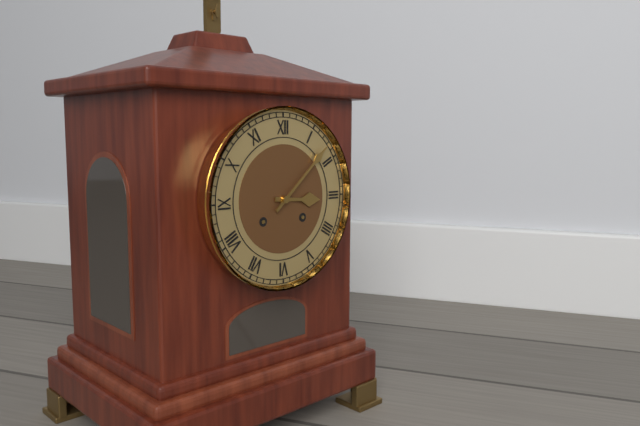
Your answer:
{"hour": 3, "minute": 8}
